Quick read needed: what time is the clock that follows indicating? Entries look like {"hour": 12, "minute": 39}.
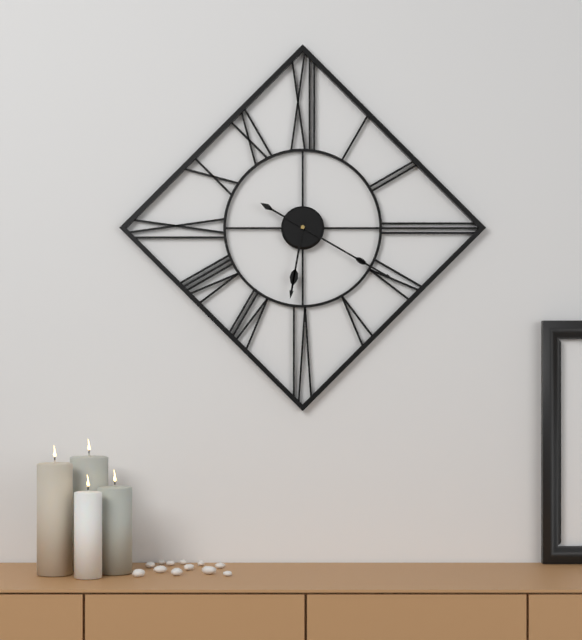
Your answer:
{"hour": 6, "minute": 20}
